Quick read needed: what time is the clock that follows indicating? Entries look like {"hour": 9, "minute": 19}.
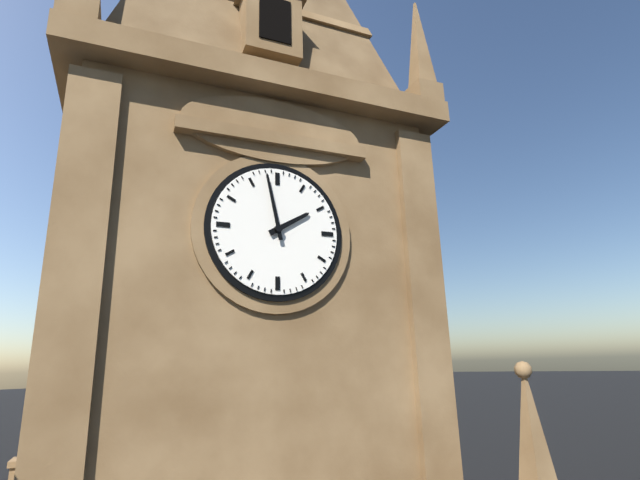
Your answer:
{"hour": 1, "minute": 58}
